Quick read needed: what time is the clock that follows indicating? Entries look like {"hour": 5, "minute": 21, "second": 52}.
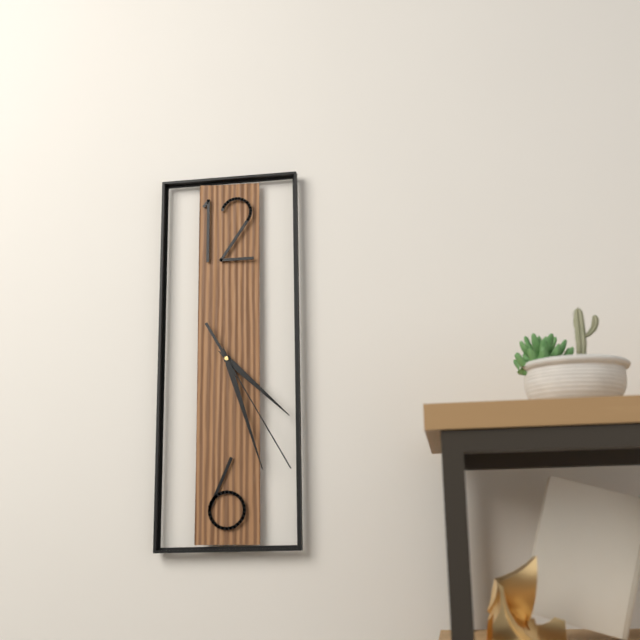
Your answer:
{"hour": 4, "minute": 27, "second": 25}
